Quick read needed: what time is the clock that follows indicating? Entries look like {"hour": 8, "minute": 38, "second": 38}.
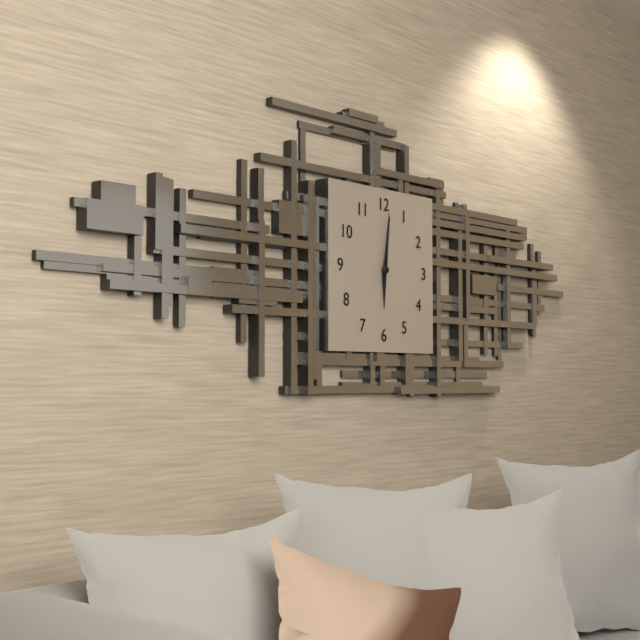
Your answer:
{"hour": 6, "minute": 1, "second": 1}
